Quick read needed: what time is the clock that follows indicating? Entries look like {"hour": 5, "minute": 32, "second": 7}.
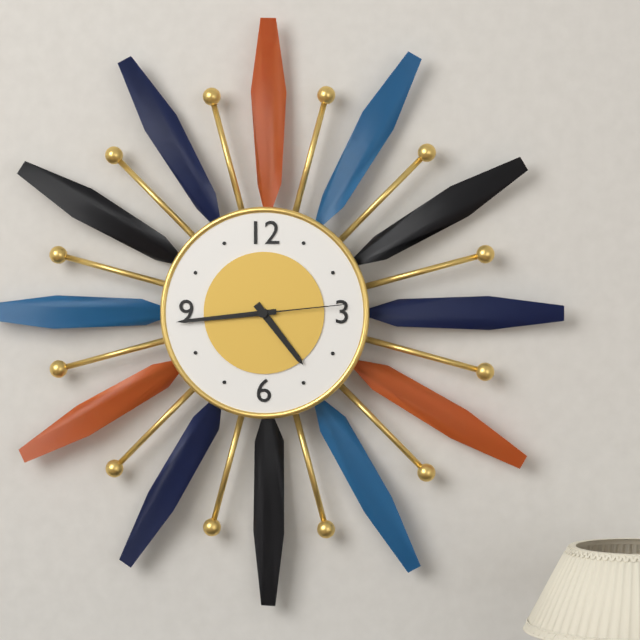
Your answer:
{"hour": 4, "minute": 44, "second": 14}
